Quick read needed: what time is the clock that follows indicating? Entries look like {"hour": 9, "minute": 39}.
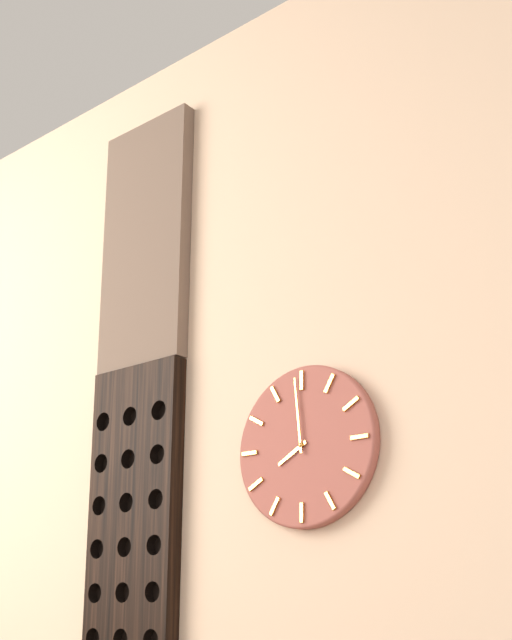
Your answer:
{"hour": 7, "minute": 59}
